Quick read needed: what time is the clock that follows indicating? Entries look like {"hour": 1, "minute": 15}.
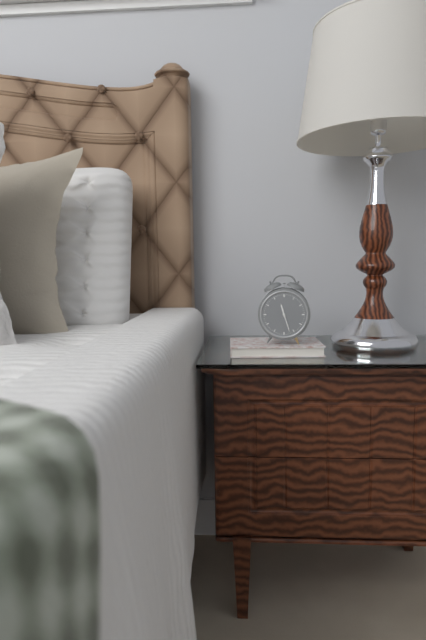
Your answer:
{"hour": 11, "minute": 27}
